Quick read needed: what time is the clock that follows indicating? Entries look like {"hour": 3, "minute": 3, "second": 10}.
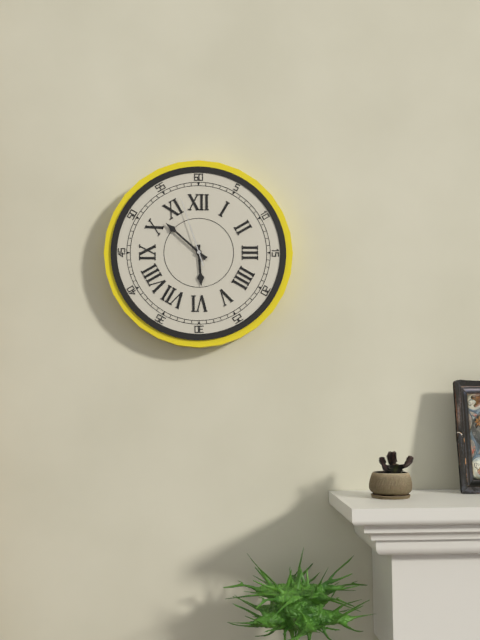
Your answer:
{"hour": 5, "minute": 52, "second": 57}
